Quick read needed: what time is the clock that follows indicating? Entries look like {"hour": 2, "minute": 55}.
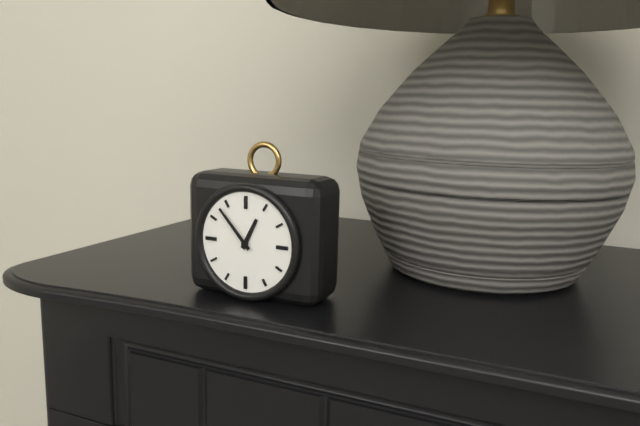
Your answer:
{"hour": 12, "minute": 53}
